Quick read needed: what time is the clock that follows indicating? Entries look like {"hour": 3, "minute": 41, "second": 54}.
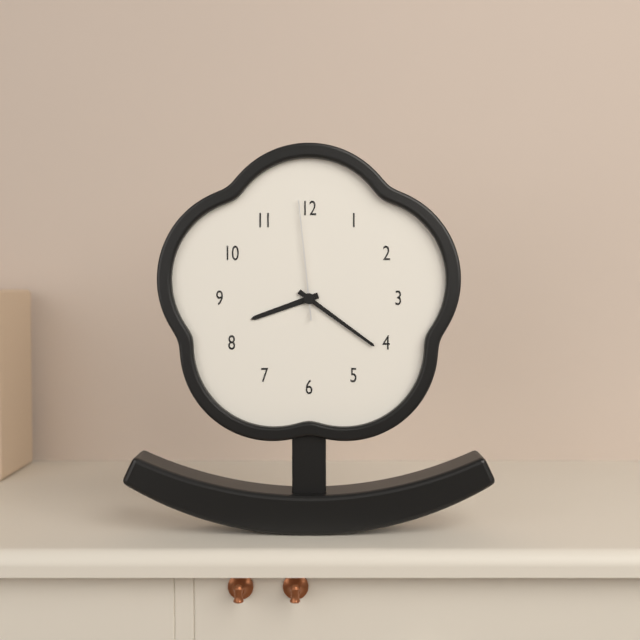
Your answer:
{"hour": 8, "minute": 21, "second": 59}
